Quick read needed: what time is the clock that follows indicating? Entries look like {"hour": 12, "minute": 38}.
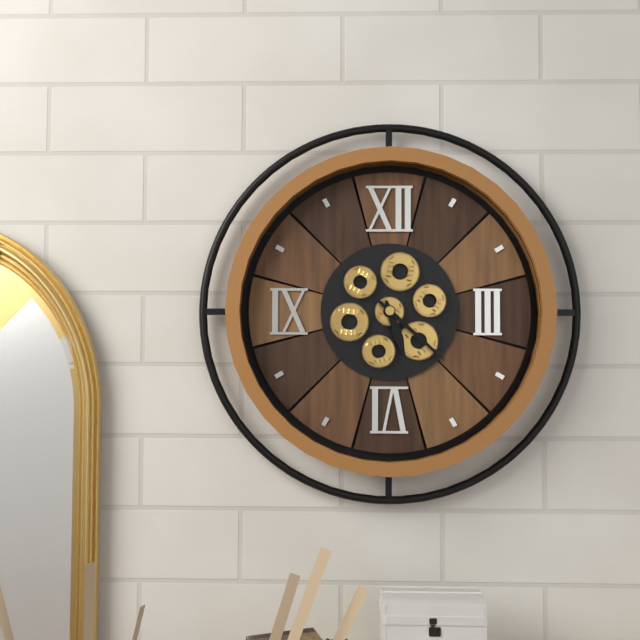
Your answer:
{"hour": 5, "minute": 22}
